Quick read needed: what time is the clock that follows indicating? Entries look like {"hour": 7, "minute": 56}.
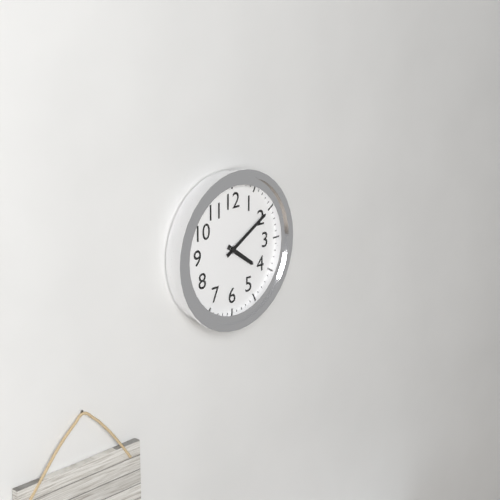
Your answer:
{"hour": 4, "minute": 10}
